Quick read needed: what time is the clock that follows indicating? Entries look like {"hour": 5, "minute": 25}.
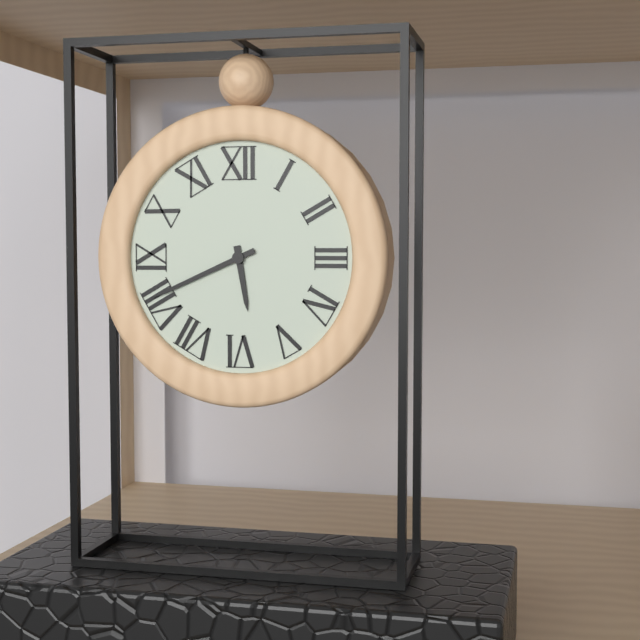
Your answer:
{"hour": 5, "minute": 41}
